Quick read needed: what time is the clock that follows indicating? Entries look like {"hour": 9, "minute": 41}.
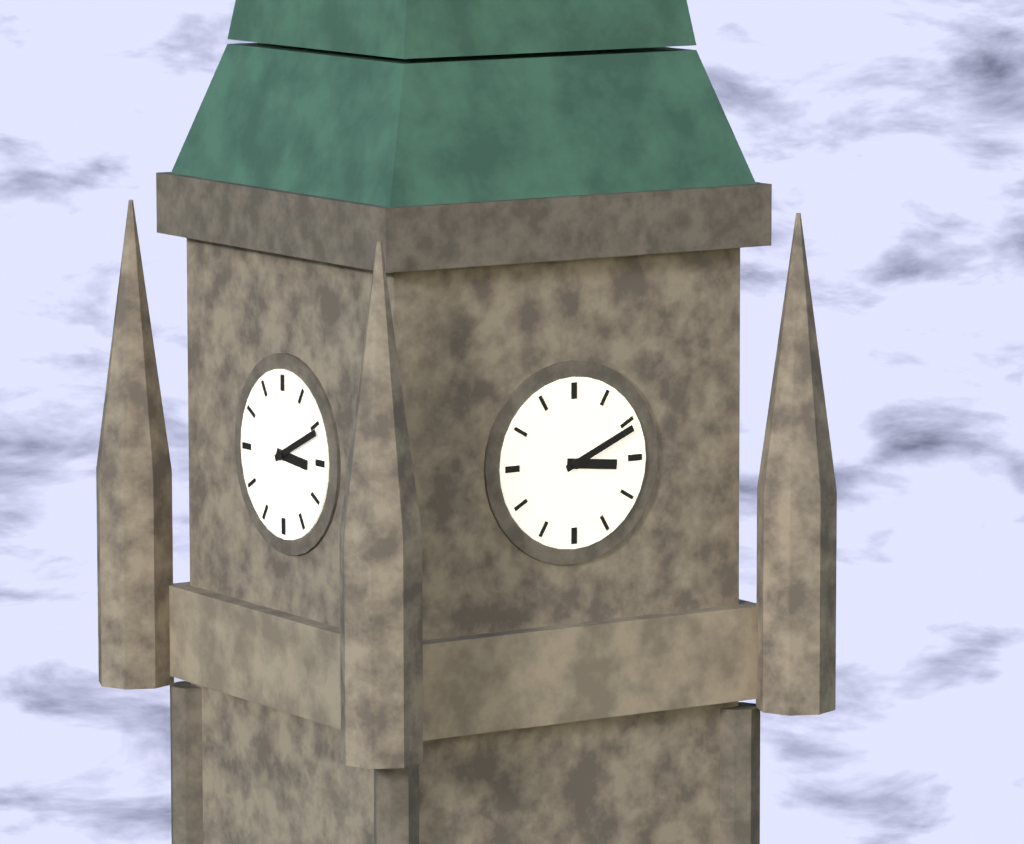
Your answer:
{"hour": 3, "minute": 11}
